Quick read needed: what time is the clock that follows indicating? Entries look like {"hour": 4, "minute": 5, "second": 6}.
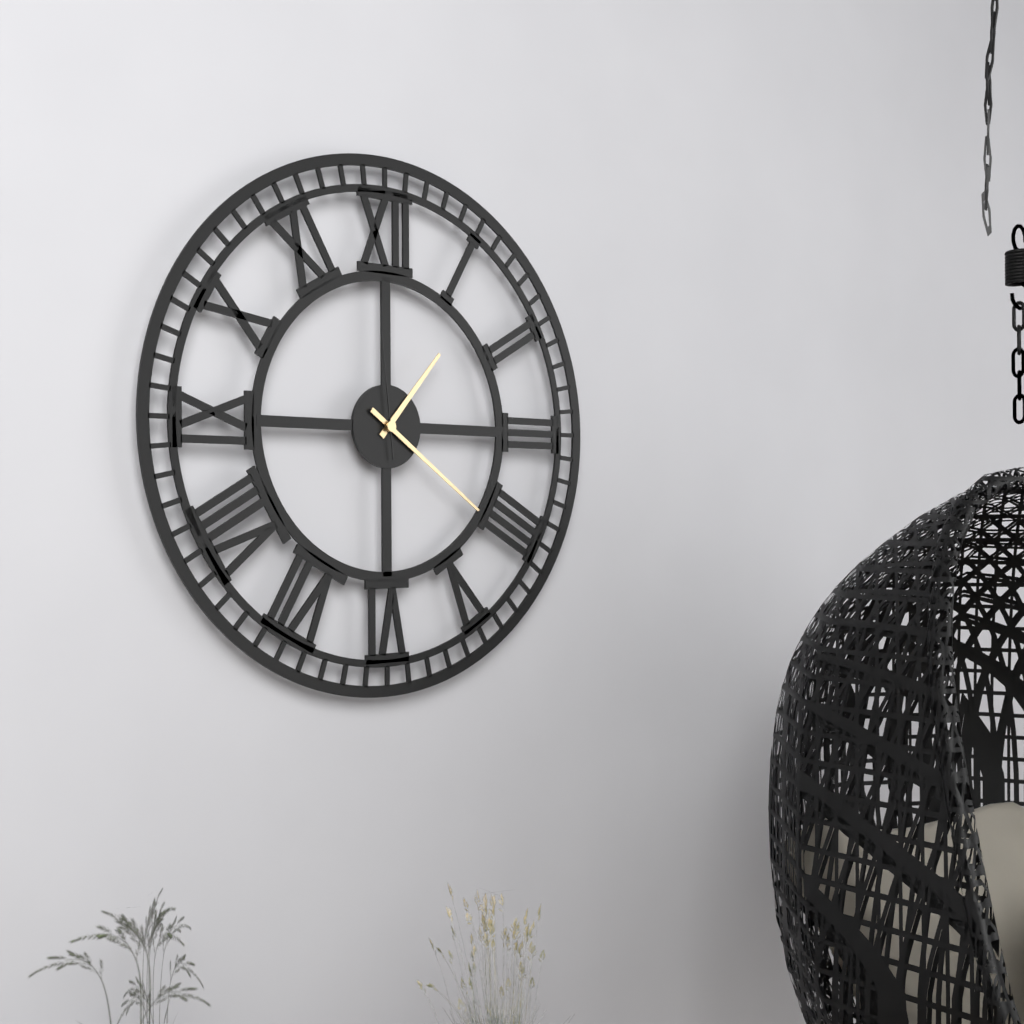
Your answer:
{"hour": 1, "minute": 21, "second": 59}
